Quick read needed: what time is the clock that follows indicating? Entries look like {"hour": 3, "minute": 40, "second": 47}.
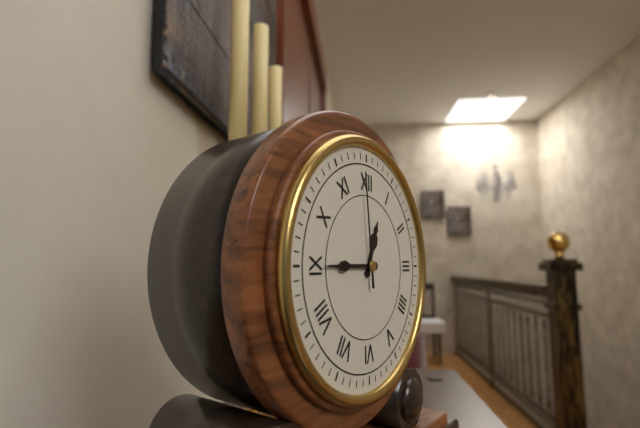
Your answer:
{"hour": 12, "minute": 45, "second": 59}
